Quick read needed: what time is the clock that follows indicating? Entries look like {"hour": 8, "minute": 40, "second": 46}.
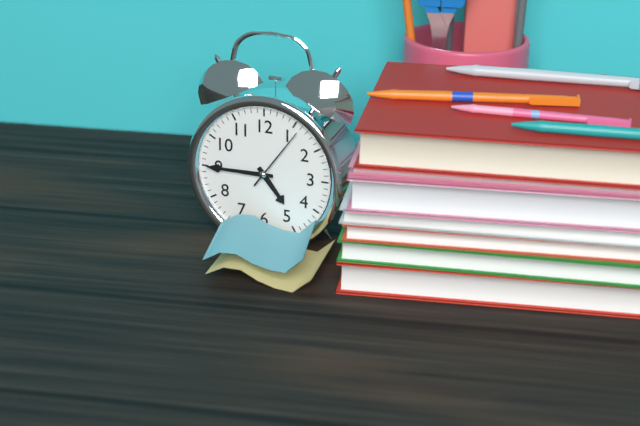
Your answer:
{"hour": 4, "minute": 45, "second": 6}
